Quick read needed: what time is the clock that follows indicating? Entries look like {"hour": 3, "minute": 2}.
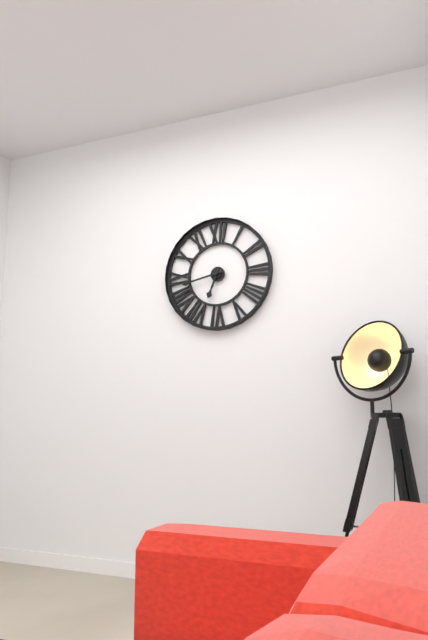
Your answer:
{"hour": 6, "minute": 43}
